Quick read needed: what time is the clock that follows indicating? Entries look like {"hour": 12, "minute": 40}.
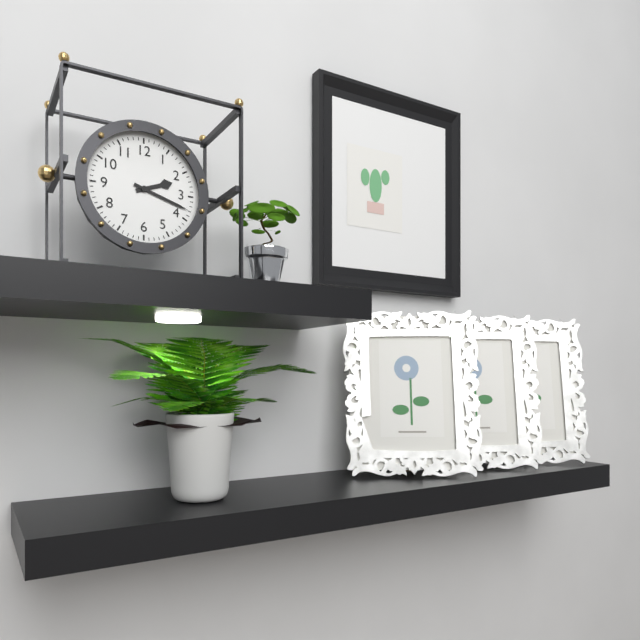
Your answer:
{"hour": 2, "minute": 18}
